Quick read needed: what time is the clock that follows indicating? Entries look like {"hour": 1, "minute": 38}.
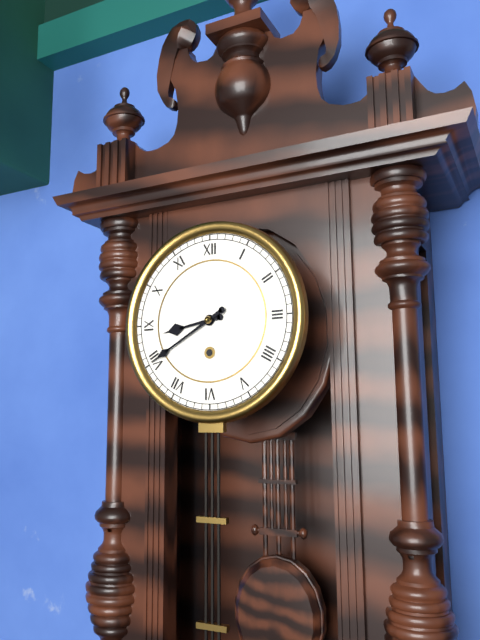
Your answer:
{"hour": 8, "minute": 40}
